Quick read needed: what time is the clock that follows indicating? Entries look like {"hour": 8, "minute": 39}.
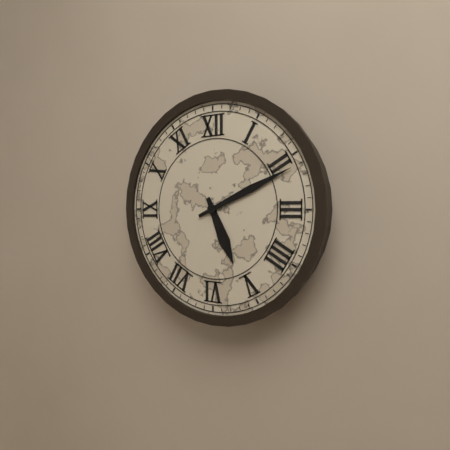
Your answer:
{"hour": 5, "minute": 11}
